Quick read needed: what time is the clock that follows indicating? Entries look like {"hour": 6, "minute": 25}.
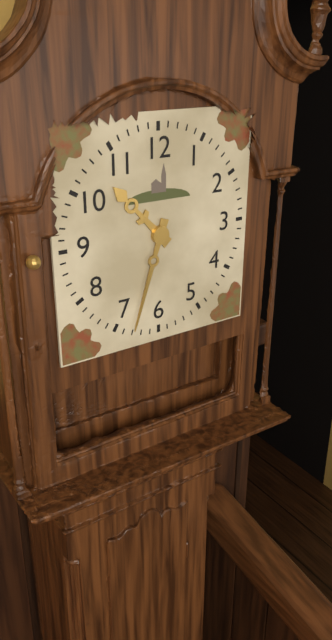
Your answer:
{"hour": 10, "minute": 33}
